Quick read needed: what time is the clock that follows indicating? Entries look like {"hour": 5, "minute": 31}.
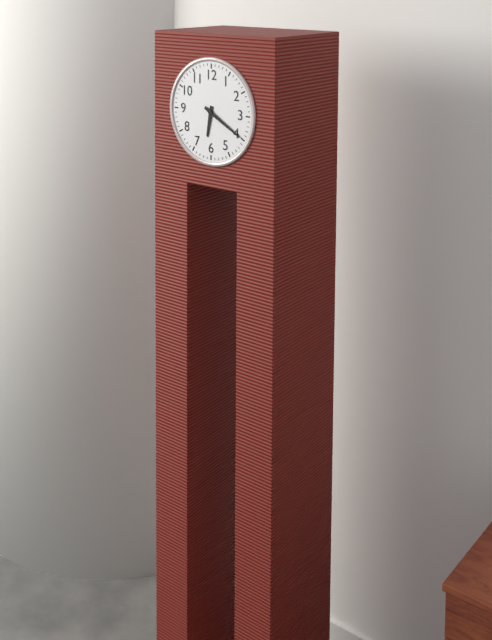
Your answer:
{"hour": 6, "minute": 20}
